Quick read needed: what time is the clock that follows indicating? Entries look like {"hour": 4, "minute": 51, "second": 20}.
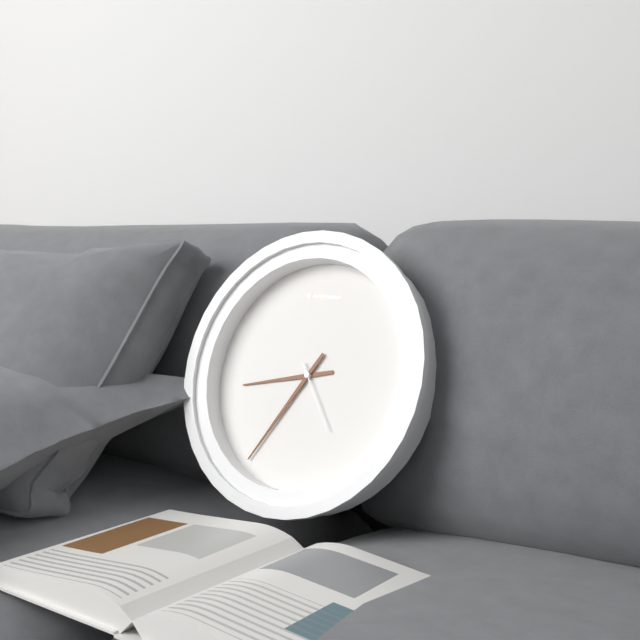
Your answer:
{"hour": 8, "minute": 35, "second": 24}
